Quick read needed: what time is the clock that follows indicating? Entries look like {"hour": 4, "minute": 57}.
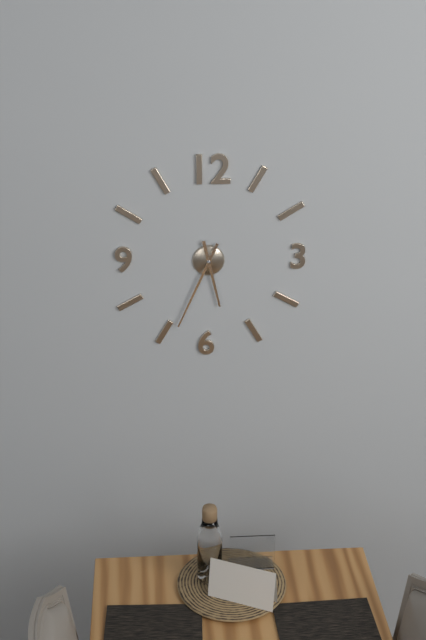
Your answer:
{"hour": 5, "minute": 34}
